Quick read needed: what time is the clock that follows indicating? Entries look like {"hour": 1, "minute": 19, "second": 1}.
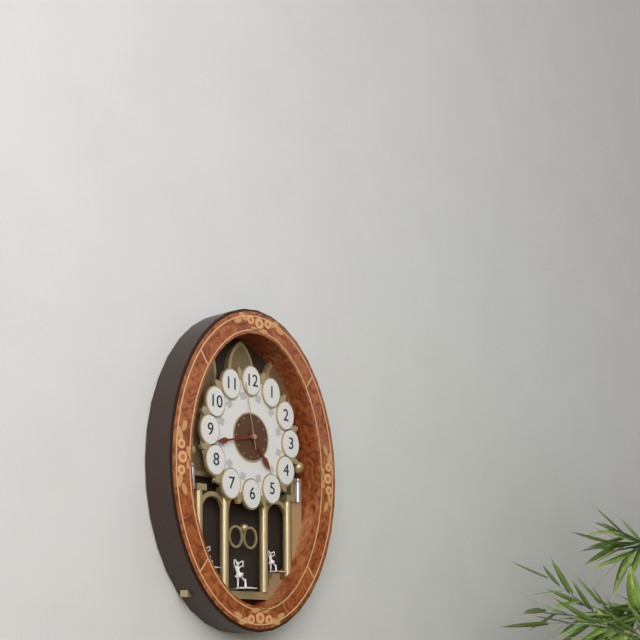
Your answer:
{"hour": 4, "minute": 43, "second": 58}
